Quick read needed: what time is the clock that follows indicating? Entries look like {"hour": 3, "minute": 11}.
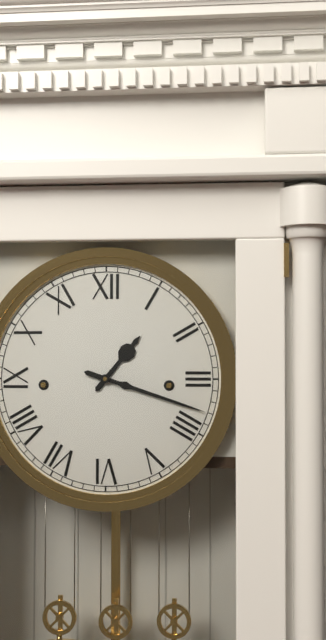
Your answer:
{"hour": 1, "minute": 18}
